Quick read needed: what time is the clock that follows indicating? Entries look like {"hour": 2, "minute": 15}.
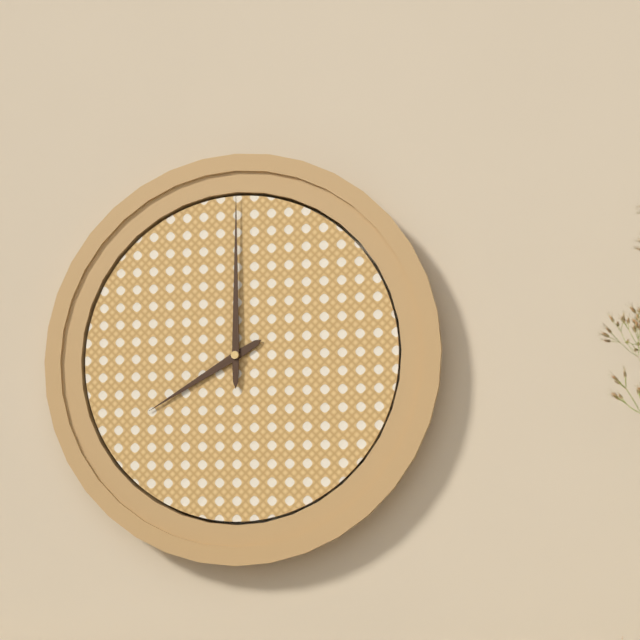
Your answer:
{"hour": 8, "minute": 0}
